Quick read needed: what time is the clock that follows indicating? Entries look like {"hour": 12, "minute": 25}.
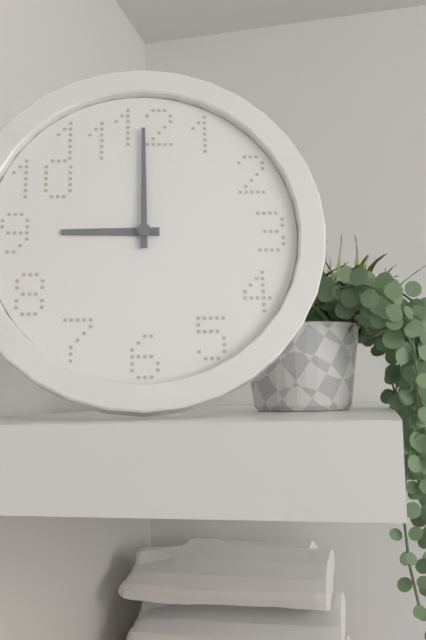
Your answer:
{"hour": 9, "minute": 0}
